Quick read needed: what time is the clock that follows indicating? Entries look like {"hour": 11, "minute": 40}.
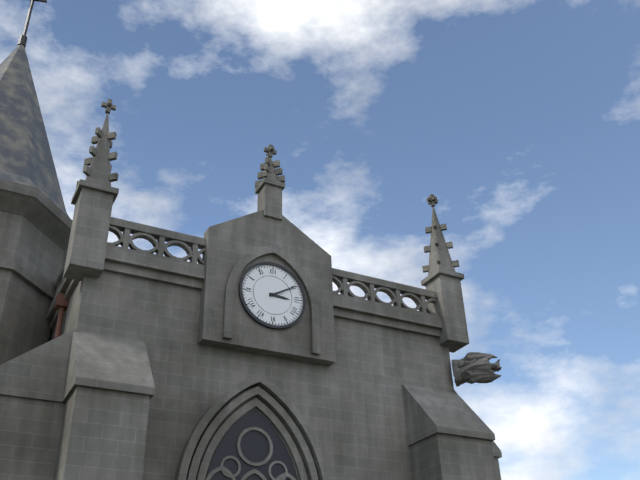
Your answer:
{"hour": 3, "minute": 10}
